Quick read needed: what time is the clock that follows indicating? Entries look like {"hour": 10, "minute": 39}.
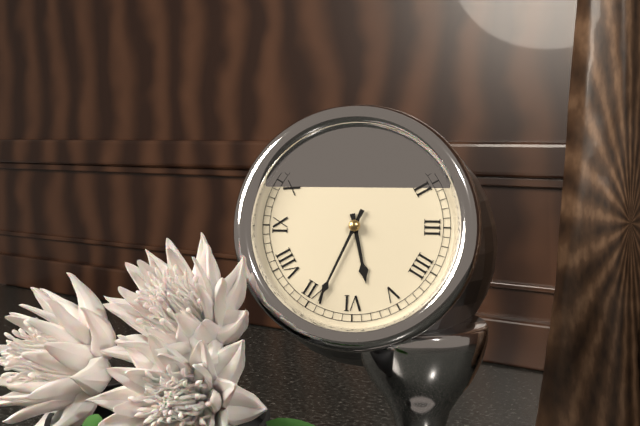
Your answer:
{"hour": 5, "minute": 34}
